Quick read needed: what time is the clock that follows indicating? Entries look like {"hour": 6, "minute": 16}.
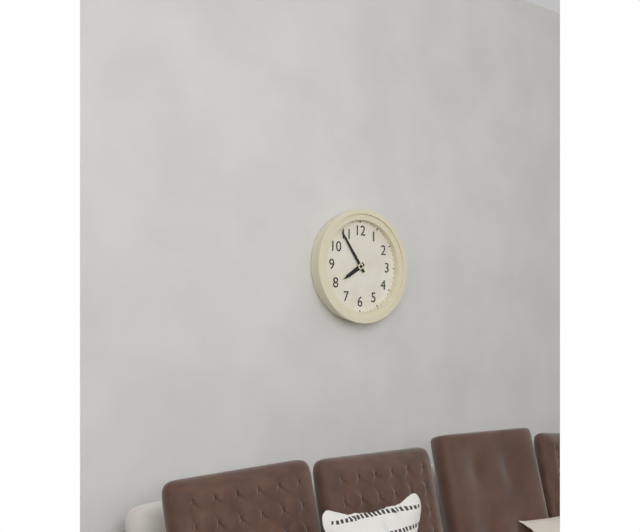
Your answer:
{"hour": 7, "minute": 54}
